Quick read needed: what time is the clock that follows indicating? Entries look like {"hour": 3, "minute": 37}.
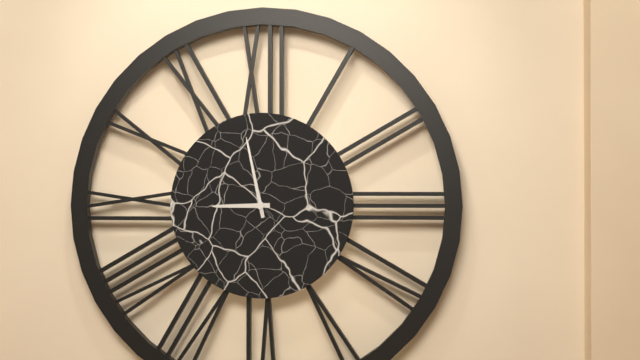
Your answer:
{"hour": 8, "minute": 58}
